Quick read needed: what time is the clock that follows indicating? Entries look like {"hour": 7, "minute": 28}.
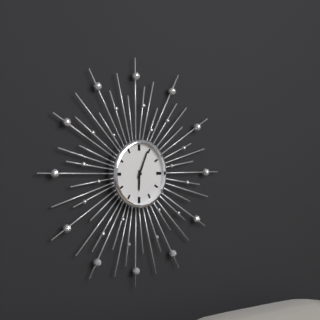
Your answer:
{"hour": 6, "minute": 4}
